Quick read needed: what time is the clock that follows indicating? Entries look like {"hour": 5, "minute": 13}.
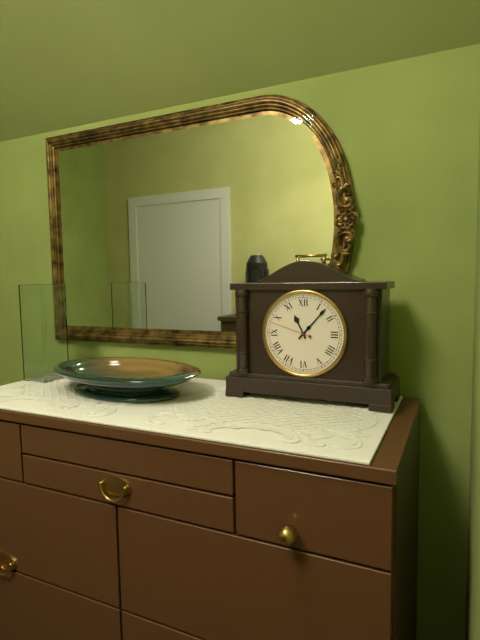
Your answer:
{"hour": 11, "minute": 7}
